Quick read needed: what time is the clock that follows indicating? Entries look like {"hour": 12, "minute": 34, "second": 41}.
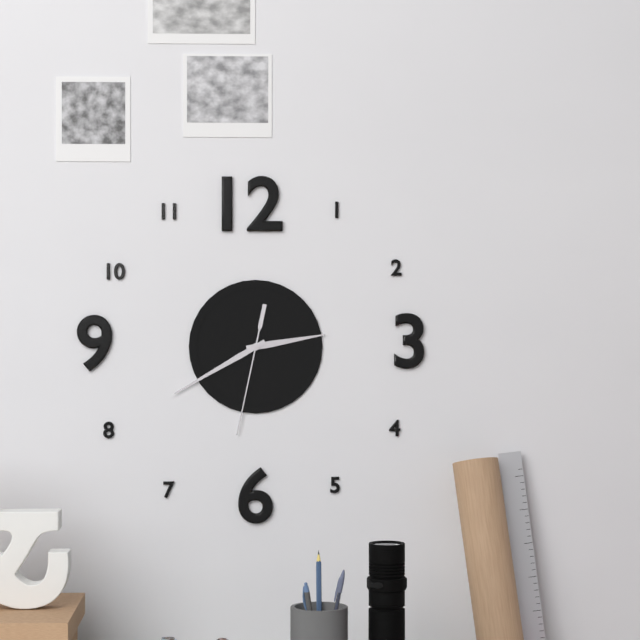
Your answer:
{"hour": 2, "minute": 40, "second": 32}
